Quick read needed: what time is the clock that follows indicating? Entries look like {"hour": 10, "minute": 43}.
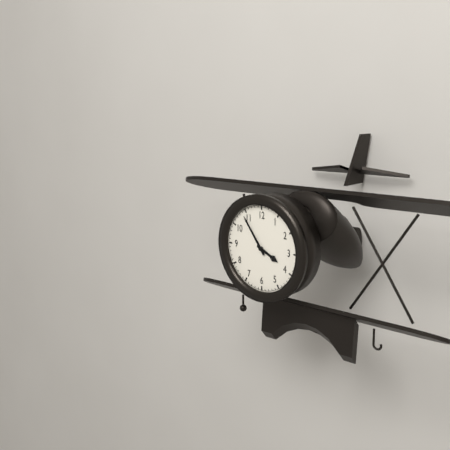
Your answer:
{"hour": 3, "minute": 54}
